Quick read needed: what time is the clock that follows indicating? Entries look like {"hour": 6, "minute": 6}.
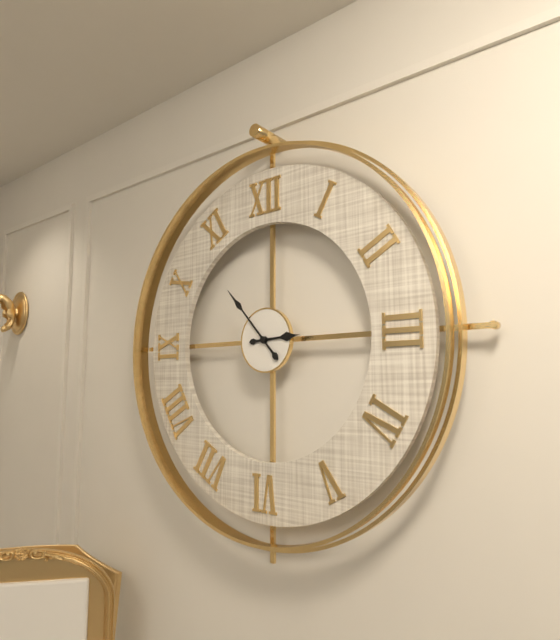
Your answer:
{"hour": 2, "minute": 53}
